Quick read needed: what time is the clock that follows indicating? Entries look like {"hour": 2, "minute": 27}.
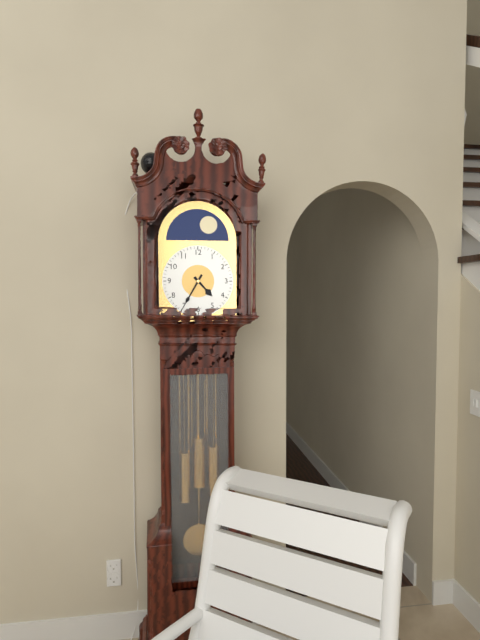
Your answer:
{"hour": 4, "minute": 35}
